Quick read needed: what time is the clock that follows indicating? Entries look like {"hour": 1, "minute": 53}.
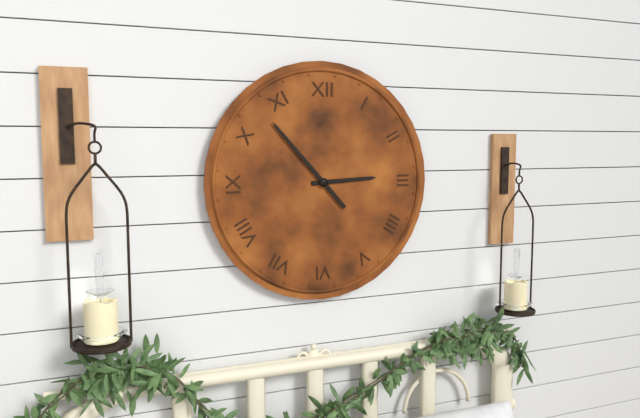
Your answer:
{"hour": 2, "minute": 53}
